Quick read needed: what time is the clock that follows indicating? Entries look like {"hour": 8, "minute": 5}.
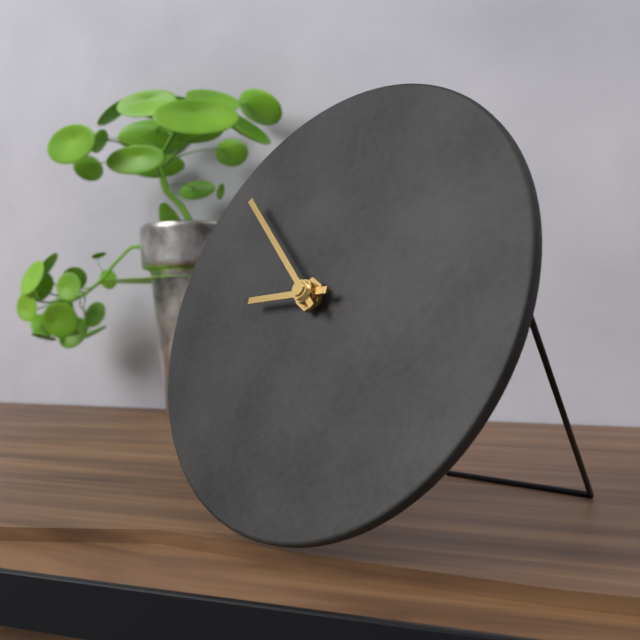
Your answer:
{"hour": 8, "minute": 52}
